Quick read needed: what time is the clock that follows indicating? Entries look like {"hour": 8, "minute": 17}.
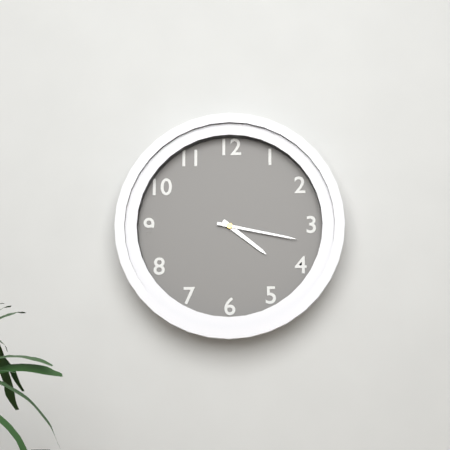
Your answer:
{"hour": 4, "minute": 17}
